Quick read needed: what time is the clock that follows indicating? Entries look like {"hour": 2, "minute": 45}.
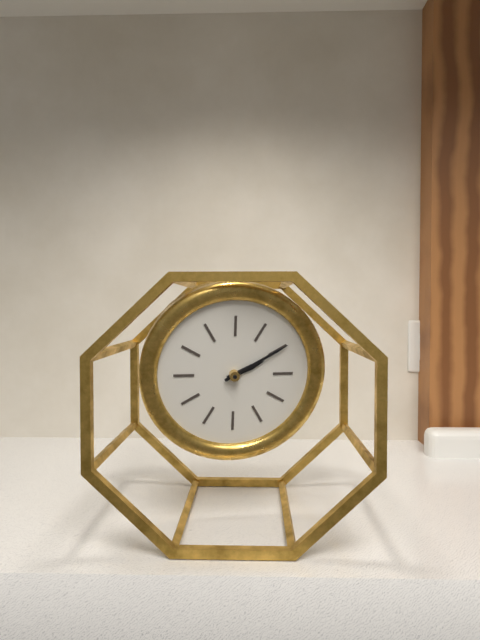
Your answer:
{"hour": 2, "minute": 10}
